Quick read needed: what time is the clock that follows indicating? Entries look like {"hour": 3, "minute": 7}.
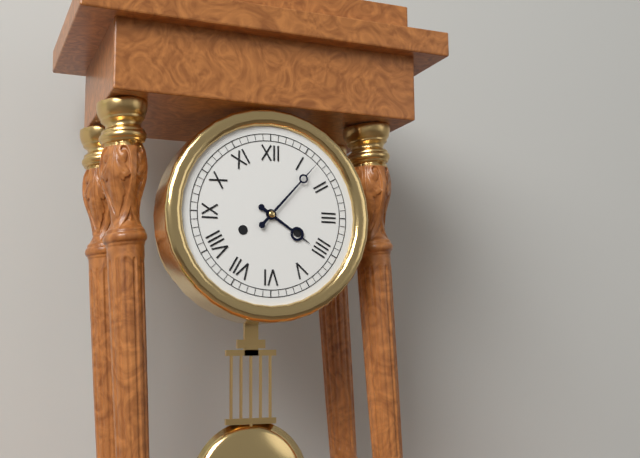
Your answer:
{"hour": 4, "minute": 7}
